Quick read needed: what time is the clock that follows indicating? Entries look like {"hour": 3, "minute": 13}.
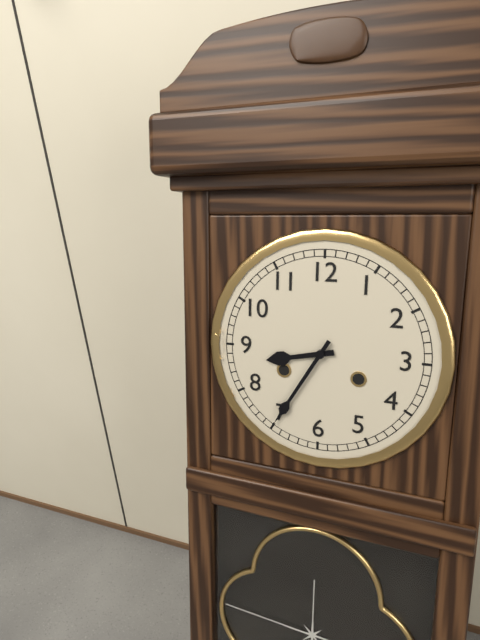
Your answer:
{"hour": 8, "minute": 35}
